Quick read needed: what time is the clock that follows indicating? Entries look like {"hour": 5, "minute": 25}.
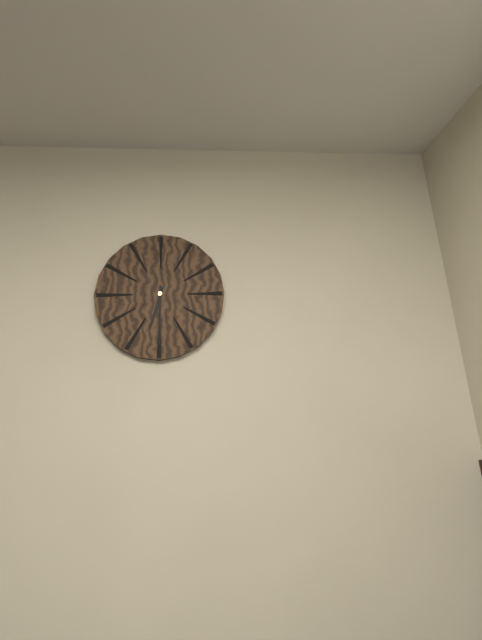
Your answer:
{"hour": 6, "minute": 30}
